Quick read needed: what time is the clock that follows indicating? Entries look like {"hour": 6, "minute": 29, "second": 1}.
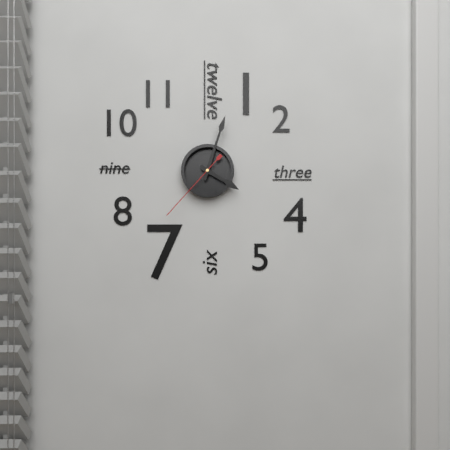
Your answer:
{"hour": 4, "minute": 3, "second": 37}
